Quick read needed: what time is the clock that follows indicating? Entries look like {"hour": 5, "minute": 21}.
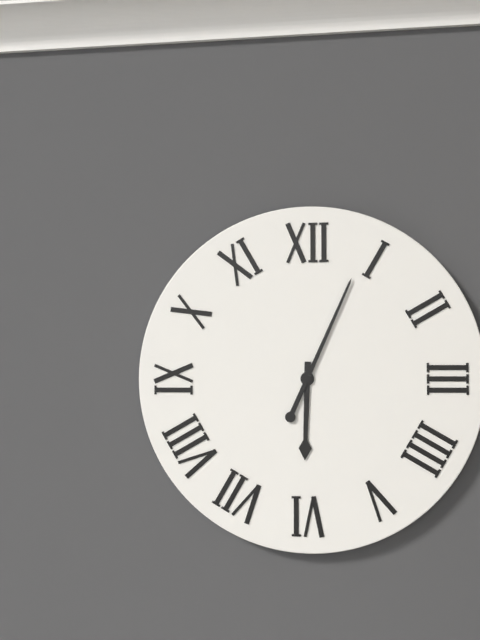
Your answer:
{"hour": 6, "minute": 4}
